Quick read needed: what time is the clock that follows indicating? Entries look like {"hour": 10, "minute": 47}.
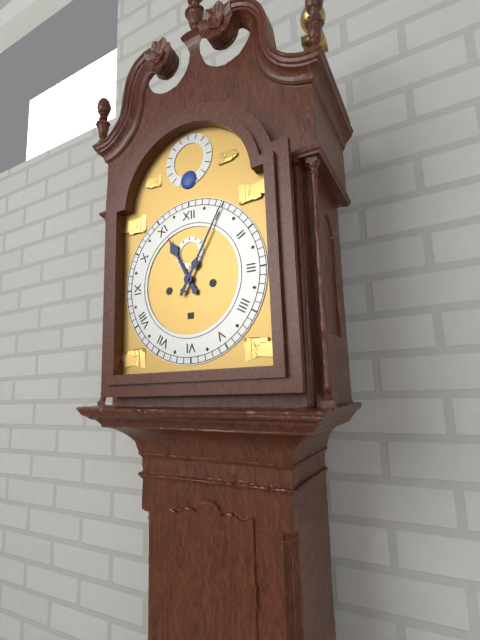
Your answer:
{"hour": 11, "minute": 5}
